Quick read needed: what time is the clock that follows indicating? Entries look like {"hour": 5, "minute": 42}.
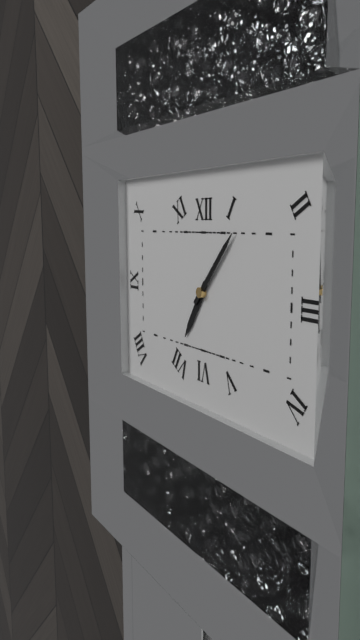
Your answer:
{"hour": 7, "minute": 7}
